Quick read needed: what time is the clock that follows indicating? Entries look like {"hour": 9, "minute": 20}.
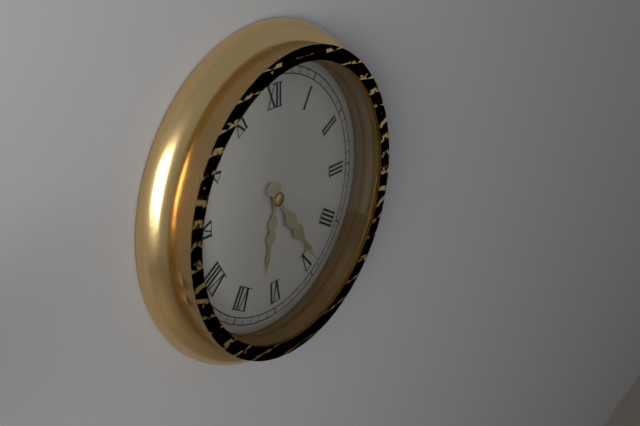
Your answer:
{"hour": 6, "minute": 24}
